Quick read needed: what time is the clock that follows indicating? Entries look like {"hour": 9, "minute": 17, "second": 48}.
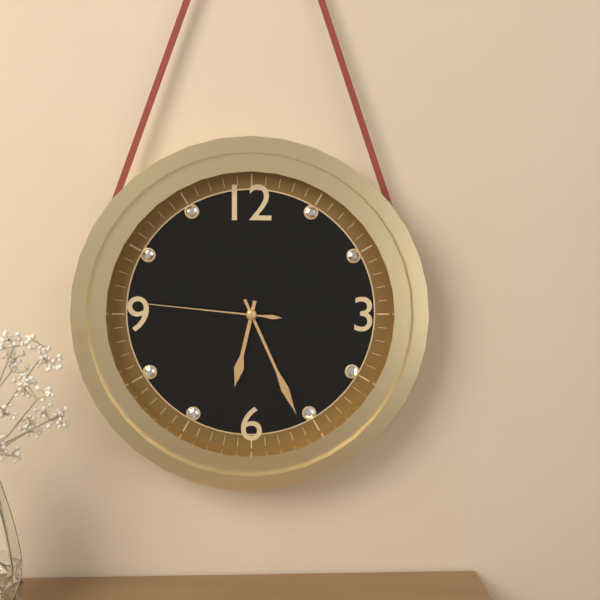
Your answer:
{"hour": 6, "minute": 26, "second": 46}
